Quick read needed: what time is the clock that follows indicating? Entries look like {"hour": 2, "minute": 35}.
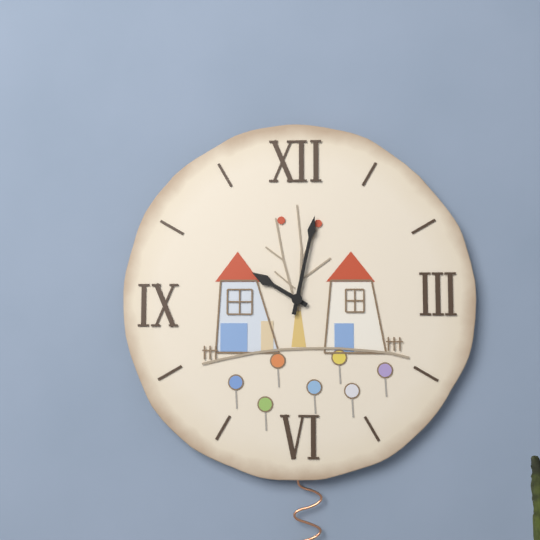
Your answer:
{"hour": 10, "minute": 2}
